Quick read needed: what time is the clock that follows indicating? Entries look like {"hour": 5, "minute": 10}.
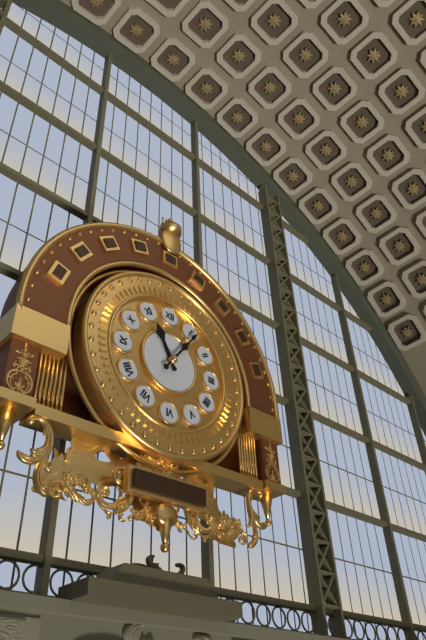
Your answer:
{"hour": 11, "minute": 6}
